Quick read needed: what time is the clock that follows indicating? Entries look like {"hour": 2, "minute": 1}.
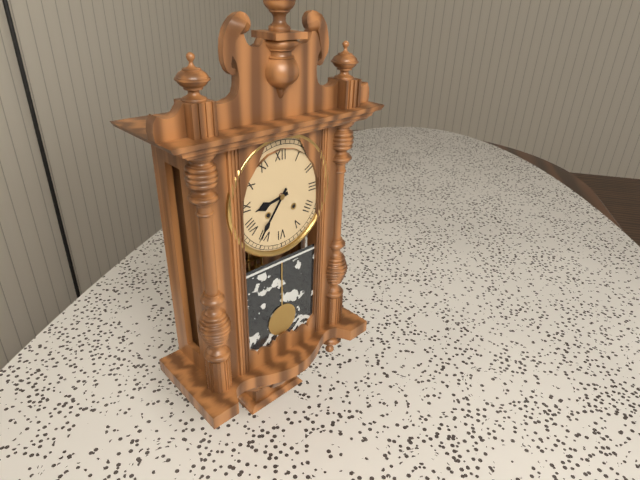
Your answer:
{"hour": 8, "minute": 36}
